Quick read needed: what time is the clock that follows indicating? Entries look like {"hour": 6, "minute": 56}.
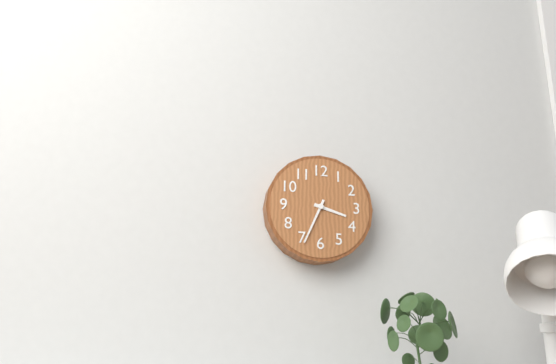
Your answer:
{"hour": 3, "minute": 34}
